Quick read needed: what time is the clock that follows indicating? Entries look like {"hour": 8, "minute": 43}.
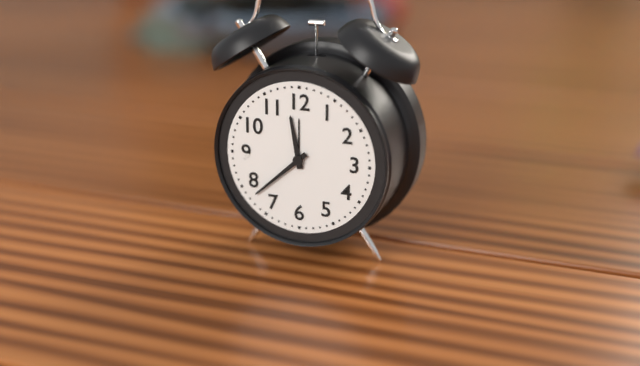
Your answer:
{"hour": 11, "minute": 38}
